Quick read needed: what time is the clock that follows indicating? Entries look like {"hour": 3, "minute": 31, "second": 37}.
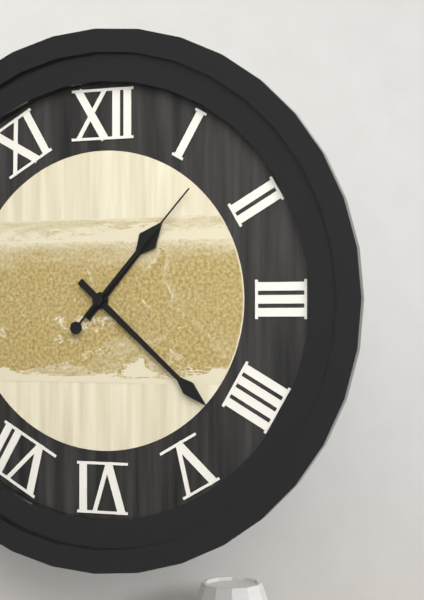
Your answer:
{"hour": 1, "minute": 22, "second": 7}
